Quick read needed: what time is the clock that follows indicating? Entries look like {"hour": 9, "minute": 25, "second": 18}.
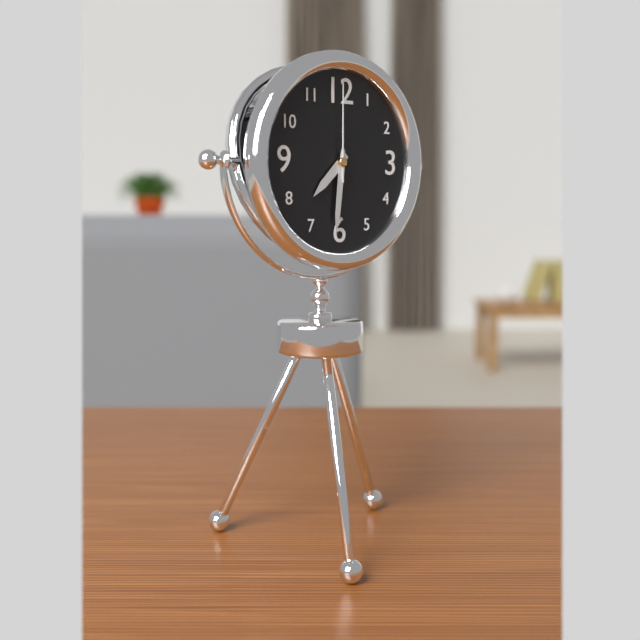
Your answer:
{"hour": 7, "minute": 31, "second": 0}
